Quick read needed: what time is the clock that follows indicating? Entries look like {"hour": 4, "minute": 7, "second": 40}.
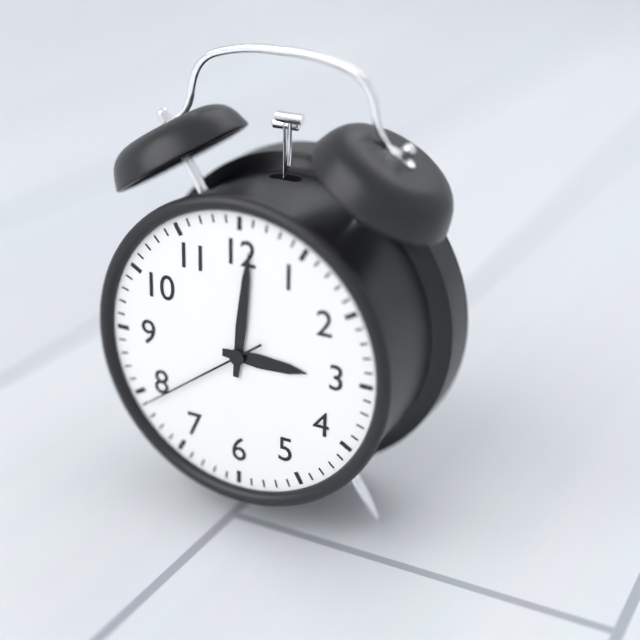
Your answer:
{"hour": 3, "minute": 1, "second": 39}
